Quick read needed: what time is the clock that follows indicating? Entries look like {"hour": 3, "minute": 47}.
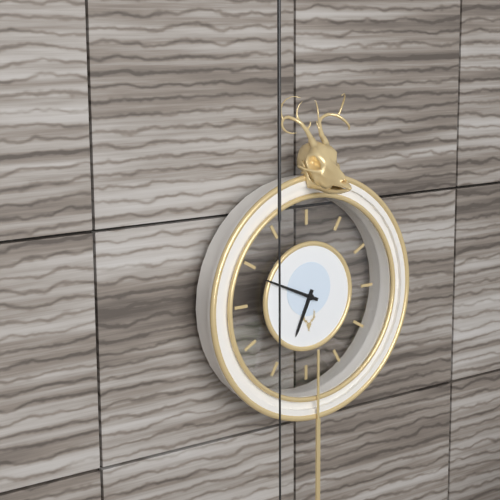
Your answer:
{"hour": 6, "minute": 49}
